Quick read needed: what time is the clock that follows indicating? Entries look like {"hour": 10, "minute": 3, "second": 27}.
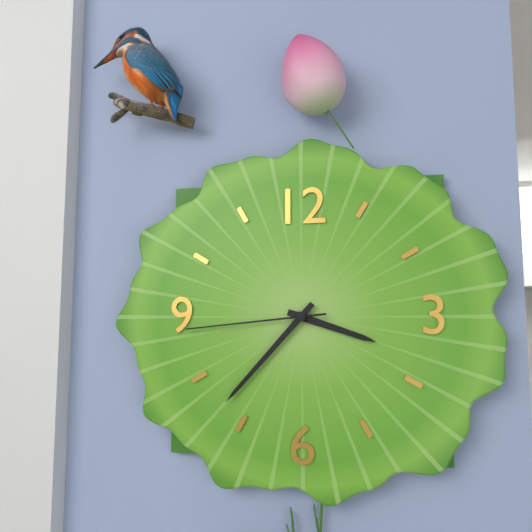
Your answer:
{"hour": 3, "minute": 37, "second": 44}
